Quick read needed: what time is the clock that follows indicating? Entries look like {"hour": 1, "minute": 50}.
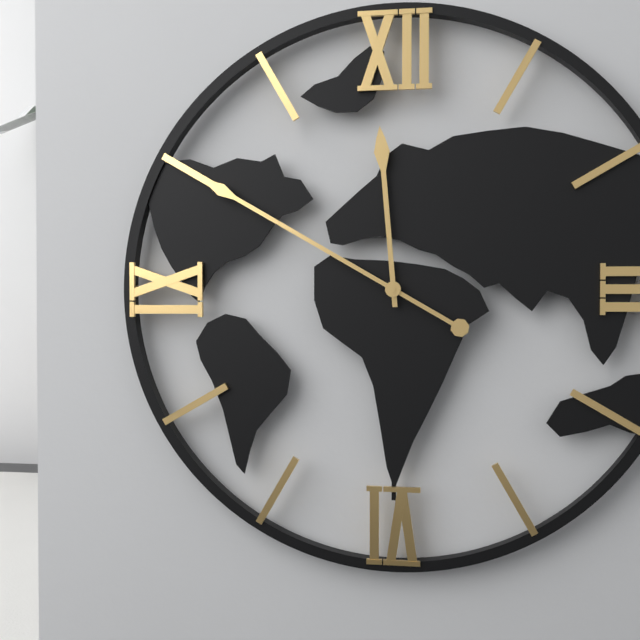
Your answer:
{"hour": 11, "minute": 50}
